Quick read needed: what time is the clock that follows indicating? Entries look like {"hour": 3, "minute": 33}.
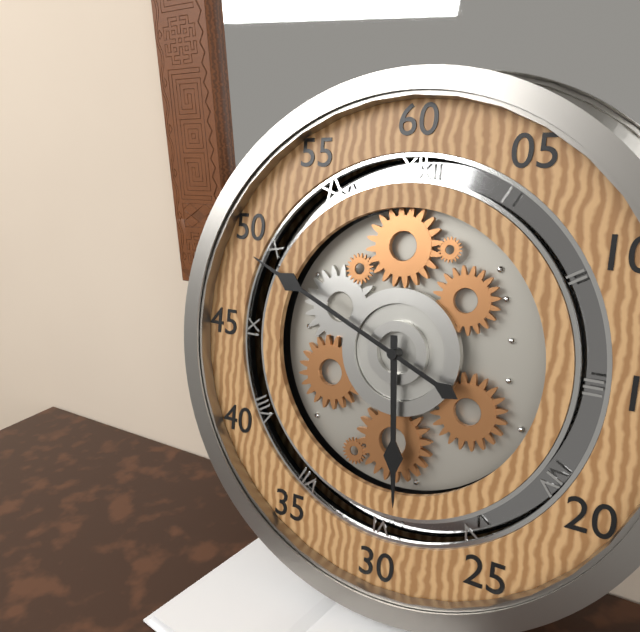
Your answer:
{"hour": 5, "minute": 49}
